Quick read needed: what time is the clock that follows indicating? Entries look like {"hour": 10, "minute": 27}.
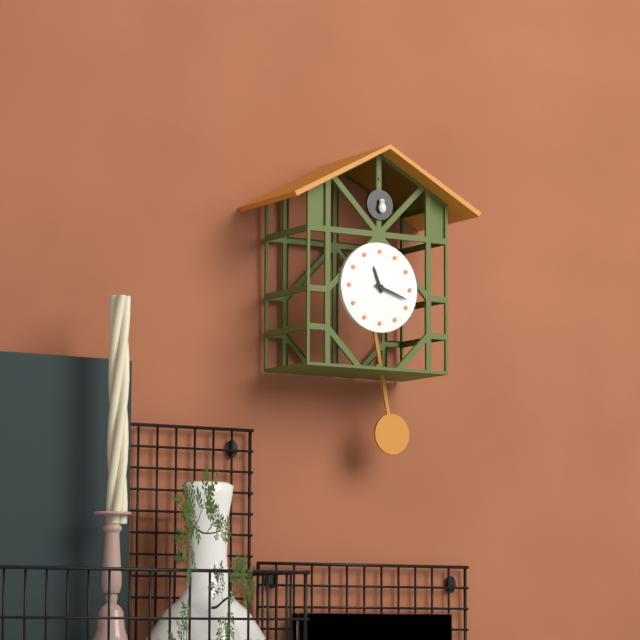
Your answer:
{"hour": 11, "minute": 18}
